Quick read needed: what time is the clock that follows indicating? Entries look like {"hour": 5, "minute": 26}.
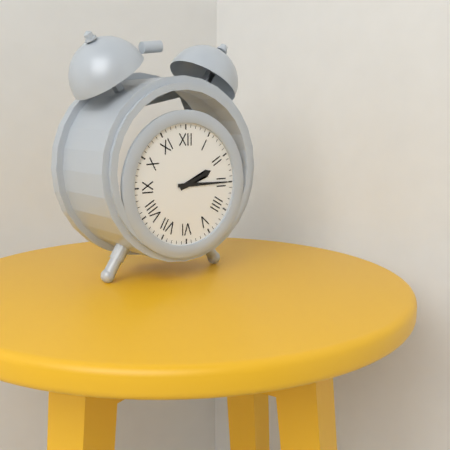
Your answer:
{"hour": 2, "minute": 15}
